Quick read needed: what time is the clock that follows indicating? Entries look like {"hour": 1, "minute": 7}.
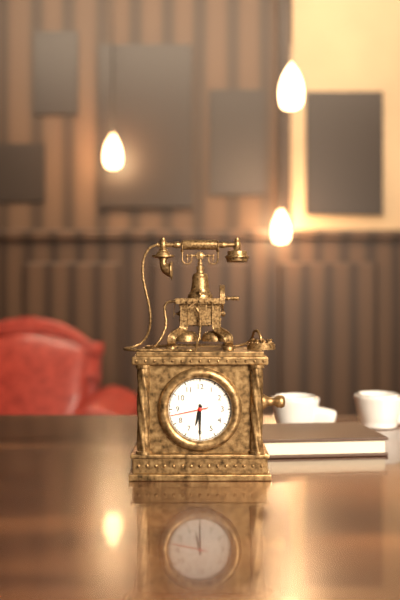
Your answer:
{"hour": 6, "minute": 30}
